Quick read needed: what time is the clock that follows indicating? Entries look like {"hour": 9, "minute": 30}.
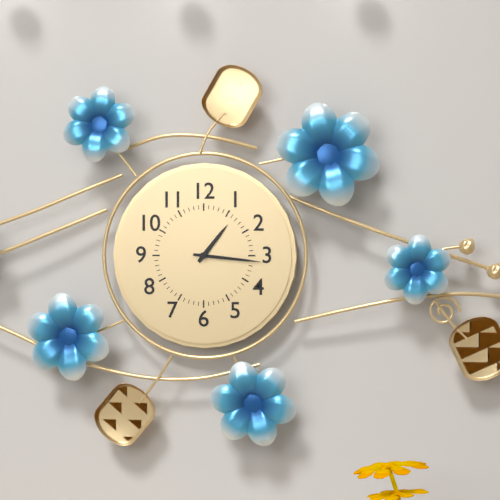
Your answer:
{"hour": 1, "minute": 16}
